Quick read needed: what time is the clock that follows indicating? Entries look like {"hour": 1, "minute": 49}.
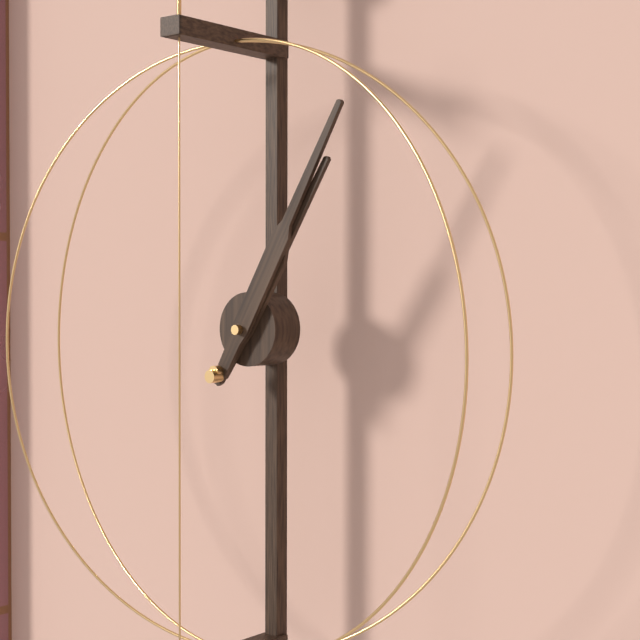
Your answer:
{"hour": 1, "minute": 5}
